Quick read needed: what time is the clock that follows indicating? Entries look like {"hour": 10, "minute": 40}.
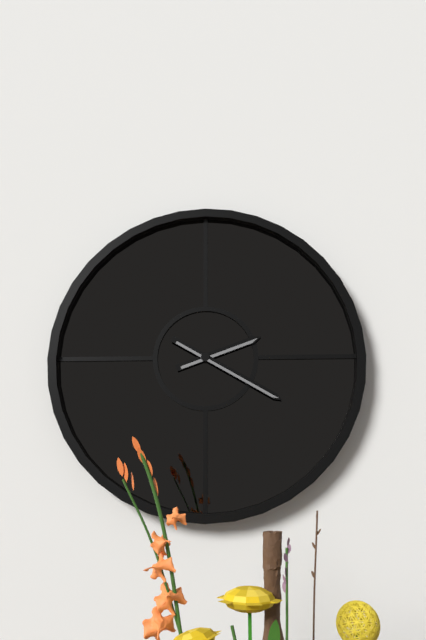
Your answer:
{"hour": 2, "minute": 20}
